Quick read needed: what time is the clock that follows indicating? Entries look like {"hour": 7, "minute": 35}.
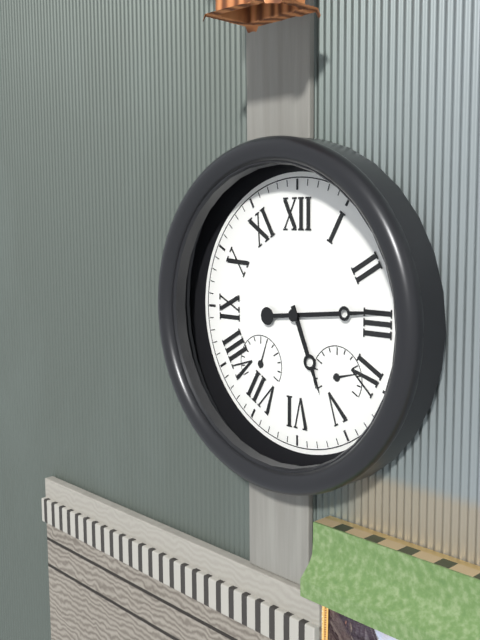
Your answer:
{"hour": 5, "minute": 14}
